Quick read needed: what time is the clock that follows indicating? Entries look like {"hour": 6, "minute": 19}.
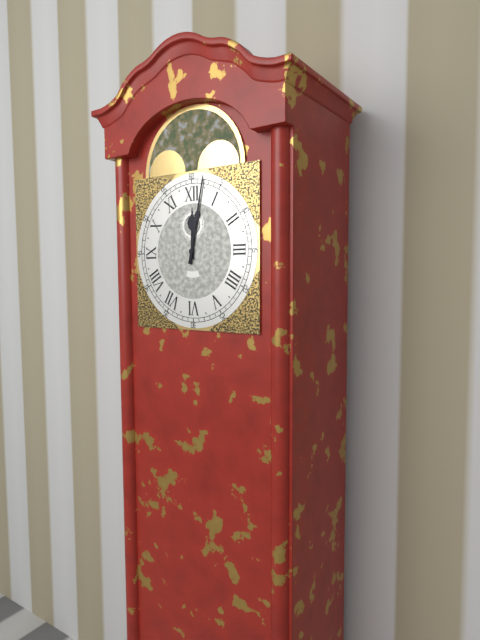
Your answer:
{"hour": 12, "minute": 2}
